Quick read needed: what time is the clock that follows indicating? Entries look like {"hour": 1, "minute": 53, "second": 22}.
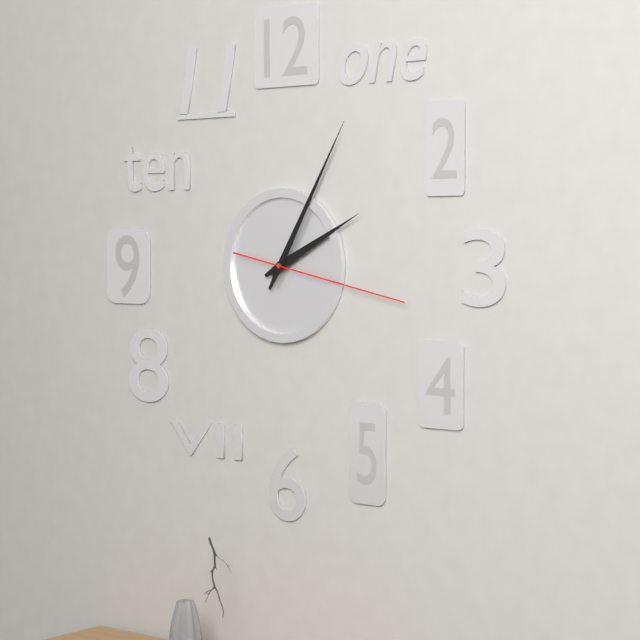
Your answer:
{"hour": 2, "minute": 5, "second": 17}
